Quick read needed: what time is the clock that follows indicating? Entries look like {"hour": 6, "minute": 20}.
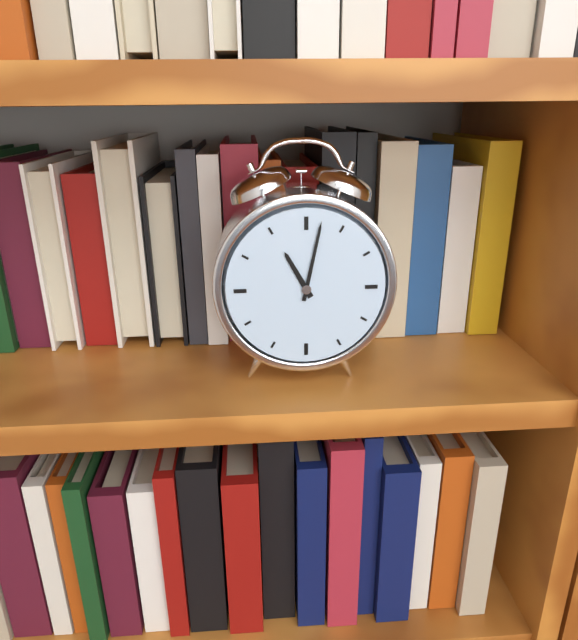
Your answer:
{"hour": 11, "minute": 2}
